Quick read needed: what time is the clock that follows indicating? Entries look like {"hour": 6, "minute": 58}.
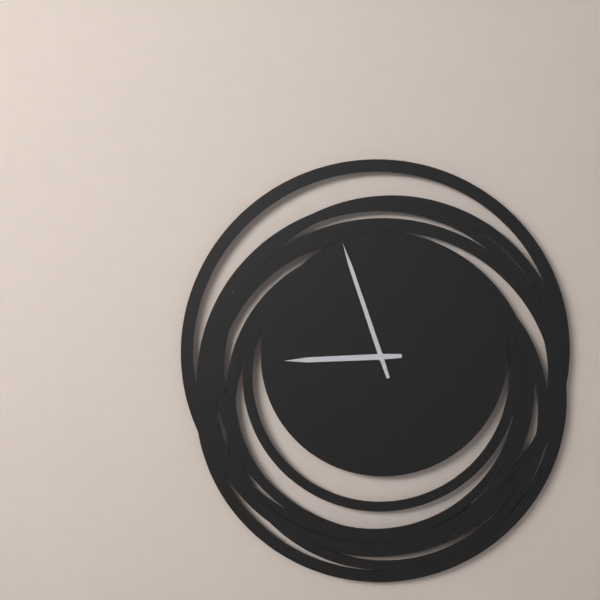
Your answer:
{"hour": 8, "minute": 57}
